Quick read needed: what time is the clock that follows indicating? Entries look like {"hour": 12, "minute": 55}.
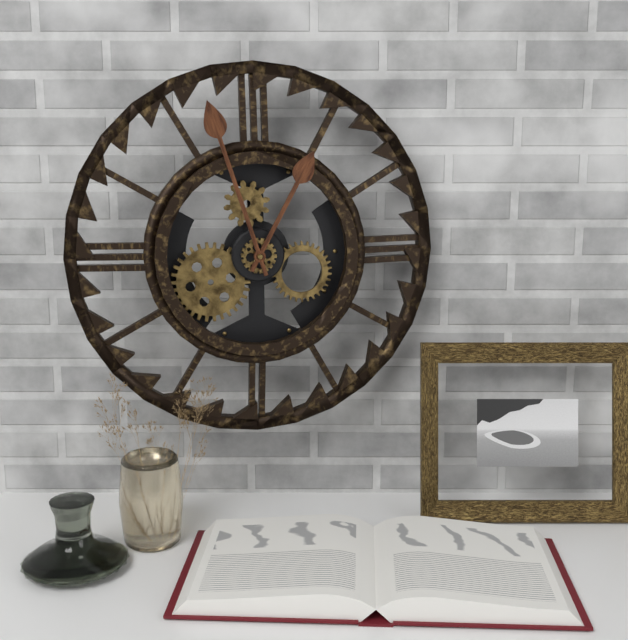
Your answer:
{"hour": 12, "minute": 57}
